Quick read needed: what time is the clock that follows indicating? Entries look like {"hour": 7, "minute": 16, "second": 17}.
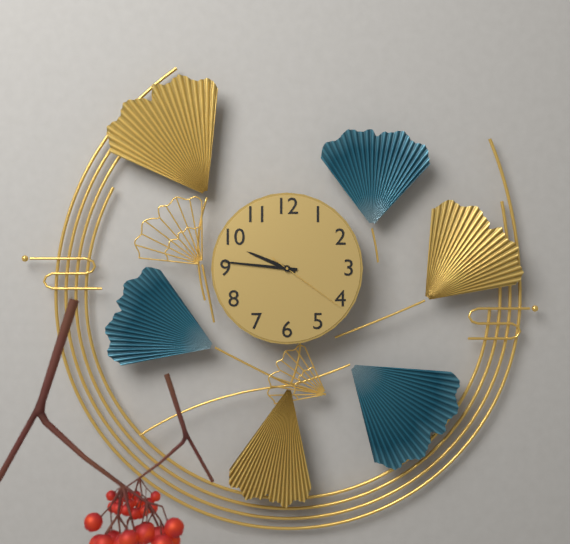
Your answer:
{"hour": 9, "minute": 46, "second": 21}
